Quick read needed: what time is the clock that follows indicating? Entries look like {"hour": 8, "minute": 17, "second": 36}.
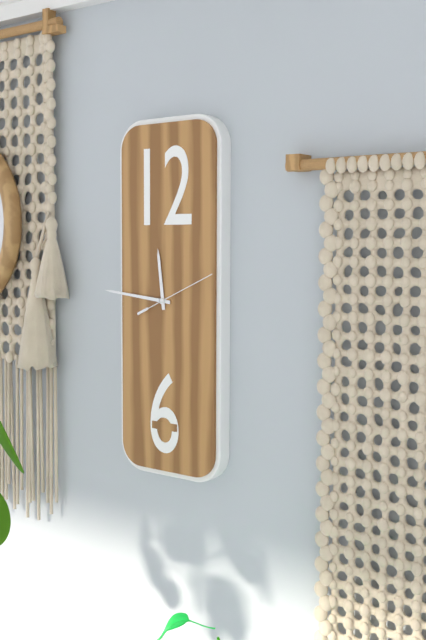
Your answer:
{"hour": 11, "minute": 46, "second": 11}
